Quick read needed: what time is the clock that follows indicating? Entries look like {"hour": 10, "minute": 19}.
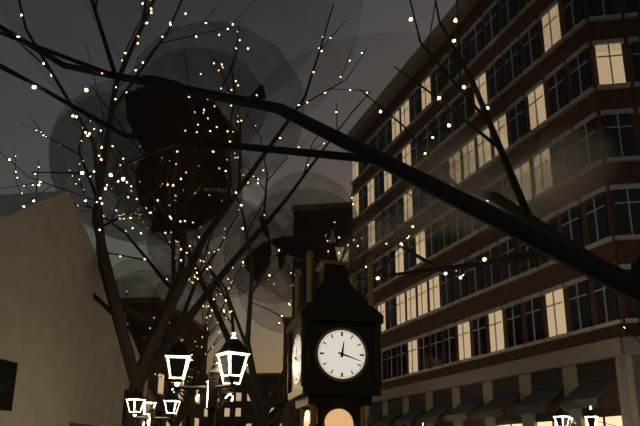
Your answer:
{"hour": 12, "minute": 18}
